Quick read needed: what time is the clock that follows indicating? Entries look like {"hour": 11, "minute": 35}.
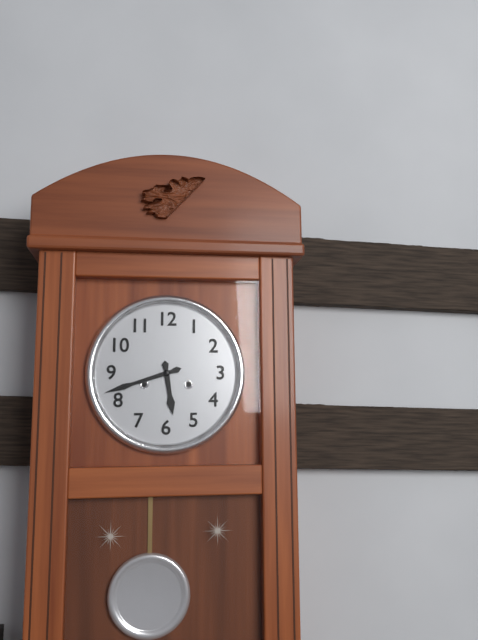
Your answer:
{"hour": 5, "minute": 42}
